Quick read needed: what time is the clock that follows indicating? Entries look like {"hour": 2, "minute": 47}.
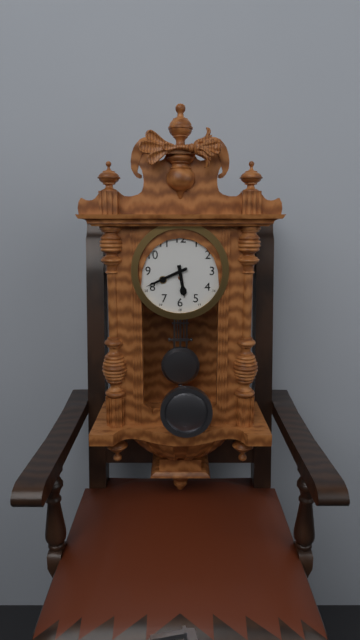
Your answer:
{"hour": 5, "minute": 41}
